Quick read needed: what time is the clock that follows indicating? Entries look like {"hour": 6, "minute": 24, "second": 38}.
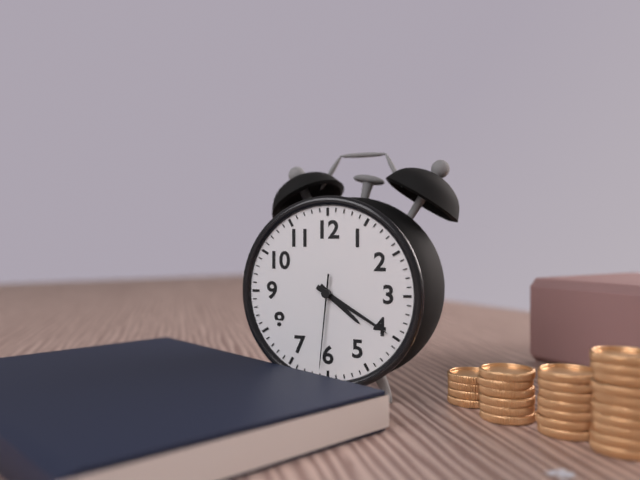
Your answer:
{"hour": 4, "minute": 20, "second": 31}
